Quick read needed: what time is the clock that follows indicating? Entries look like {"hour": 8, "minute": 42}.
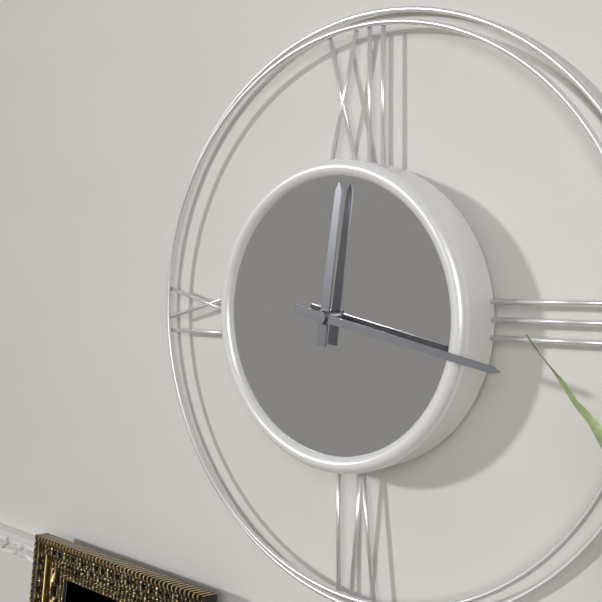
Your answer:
{"hour": 12, "minute": 17}
